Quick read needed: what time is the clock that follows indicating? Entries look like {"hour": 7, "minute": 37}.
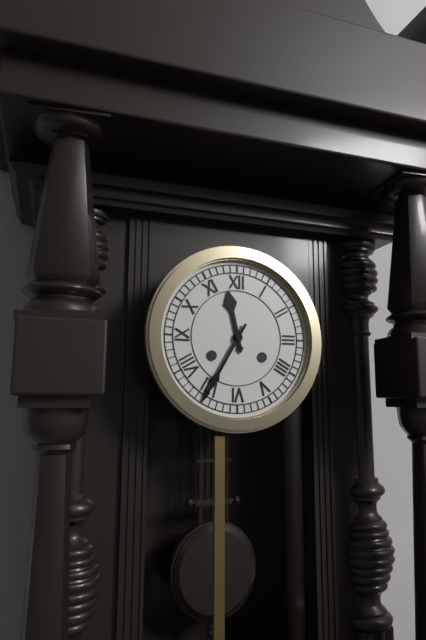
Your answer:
{"hour": 11, "minute": 35}
